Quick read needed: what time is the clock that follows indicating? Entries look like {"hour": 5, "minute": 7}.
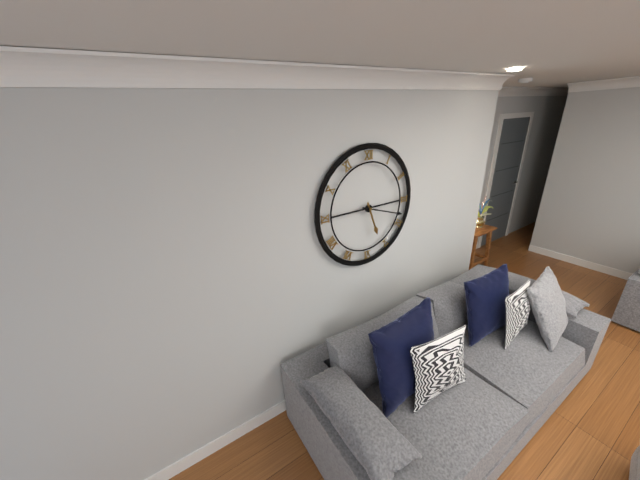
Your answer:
{"hour": 5, "minute": 18}
